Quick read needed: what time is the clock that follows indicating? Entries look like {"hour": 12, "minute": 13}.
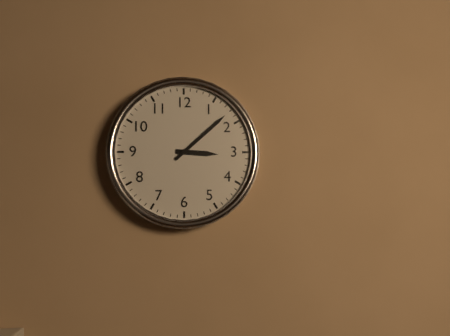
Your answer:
{"hour": 3, "minute": 8}
